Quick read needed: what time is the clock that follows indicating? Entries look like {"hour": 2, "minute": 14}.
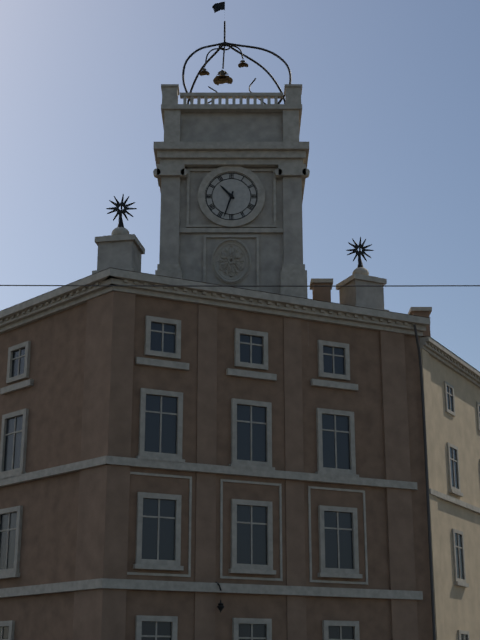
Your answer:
{"hour": 10, "minute": 33}
